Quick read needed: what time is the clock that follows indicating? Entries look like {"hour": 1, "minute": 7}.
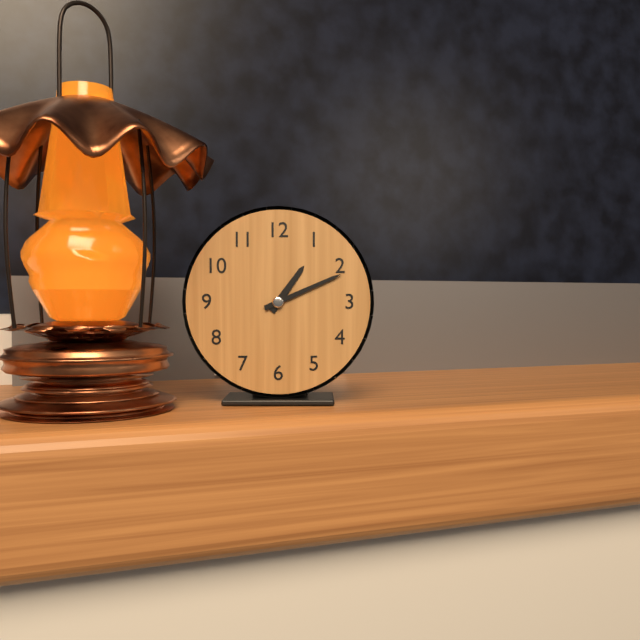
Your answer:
{"hour": 1, "minute": 11}
